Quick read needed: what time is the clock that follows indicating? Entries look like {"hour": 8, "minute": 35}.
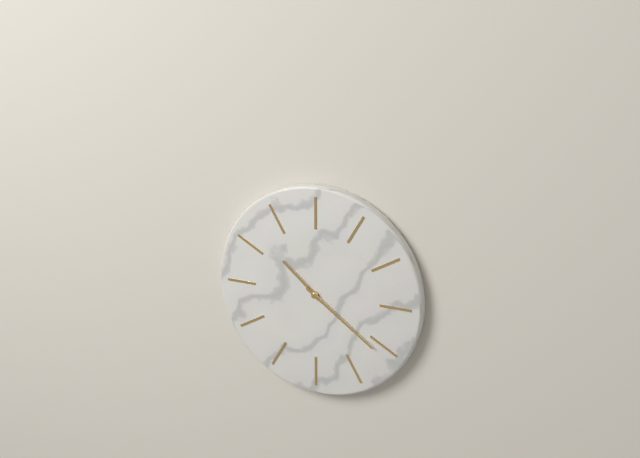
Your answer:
{"hour": 10, "minute": 21}
